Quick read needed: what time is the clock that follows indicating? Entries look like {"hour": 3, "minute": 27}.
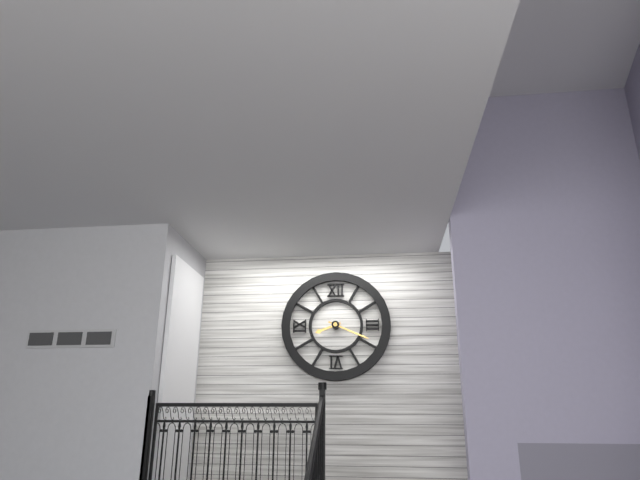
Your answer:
{"hour": 8, "minute": 19}
